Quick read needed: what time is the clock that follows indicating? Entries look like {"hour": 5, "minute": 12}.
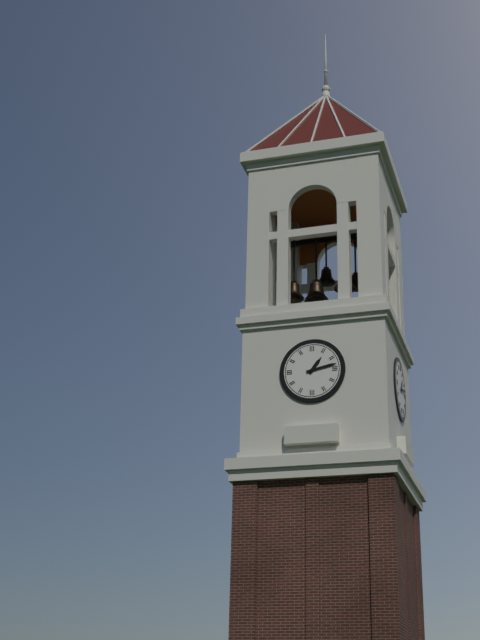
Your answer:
{"hour": 1, "minute": 13}
